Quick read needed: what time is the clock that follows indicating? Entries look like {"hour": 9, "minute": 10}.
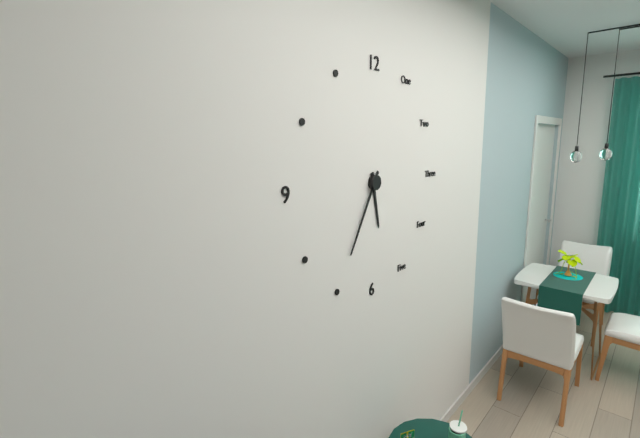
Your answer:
{"hour": 5, "minute": 35}
